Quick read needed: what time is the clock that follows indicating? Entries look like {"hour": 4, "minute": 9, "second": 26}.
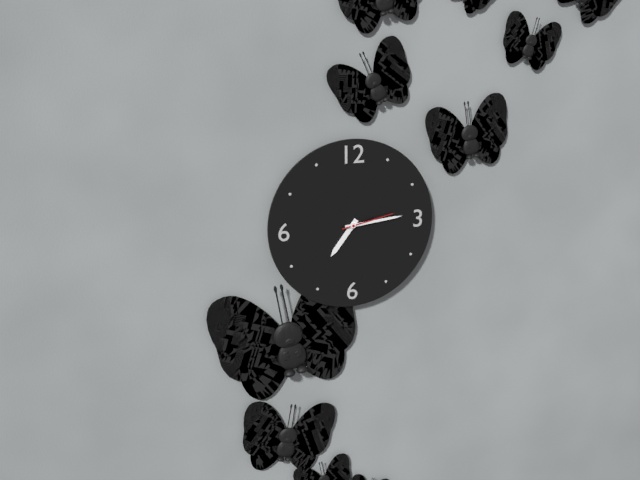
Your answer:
{"hour": 7, "minute": 14, "second": 13}
